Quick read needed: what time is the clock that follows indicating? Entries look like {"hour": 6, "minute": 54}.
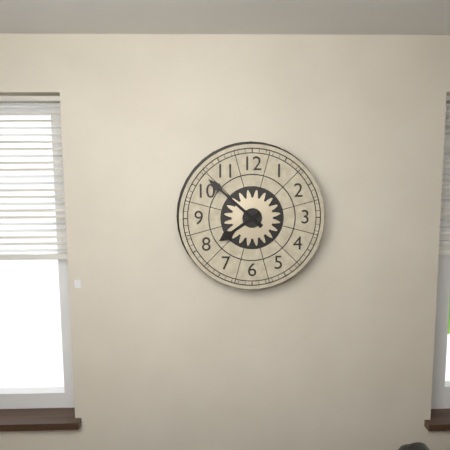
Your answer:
{"hour": 7, "minute": 52}
